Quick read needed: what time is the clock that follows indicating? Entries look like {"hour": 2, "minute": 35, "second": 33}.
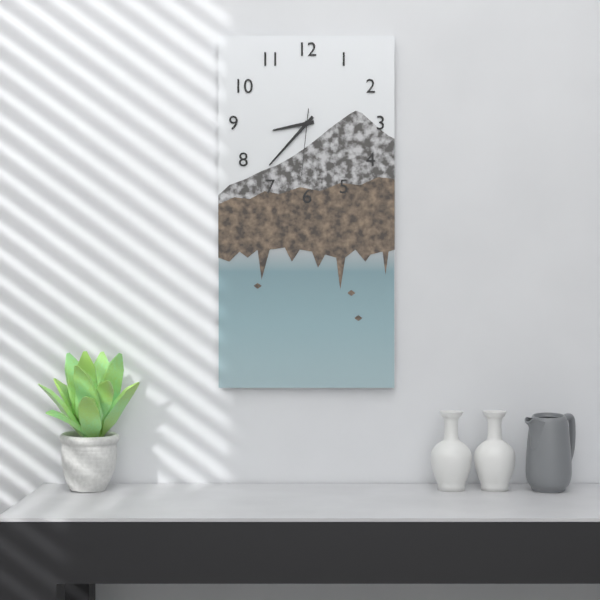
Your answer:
{"hour": 8, "minute": 37, "second": 31}
